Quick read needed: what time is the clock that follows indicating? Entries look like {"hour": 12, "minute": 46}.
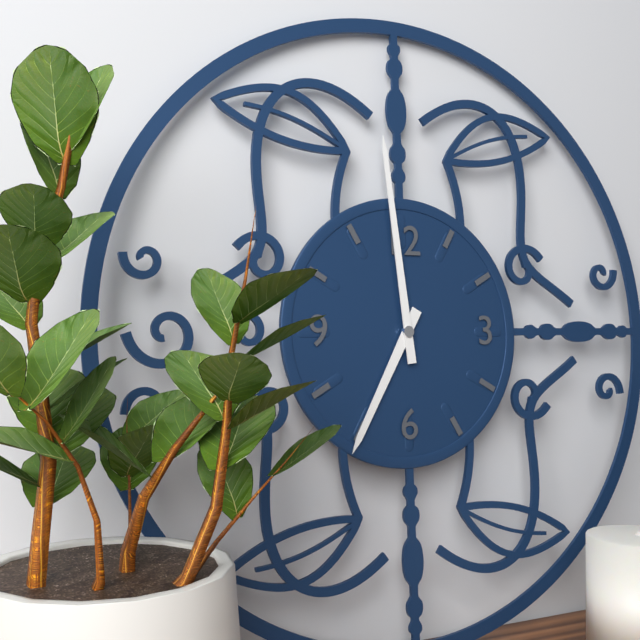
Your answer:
{"hour": 6, "minute": 59}
